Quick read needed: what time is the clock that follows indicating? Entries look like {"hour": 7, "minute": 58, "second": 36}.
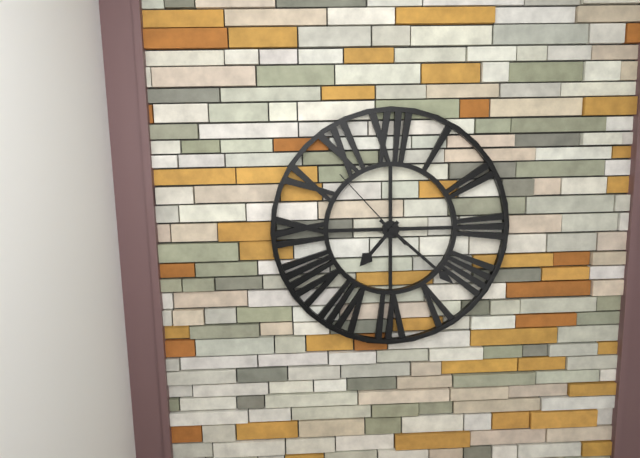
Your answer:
{"hour": 7, "minute": 22, "second": 53}
